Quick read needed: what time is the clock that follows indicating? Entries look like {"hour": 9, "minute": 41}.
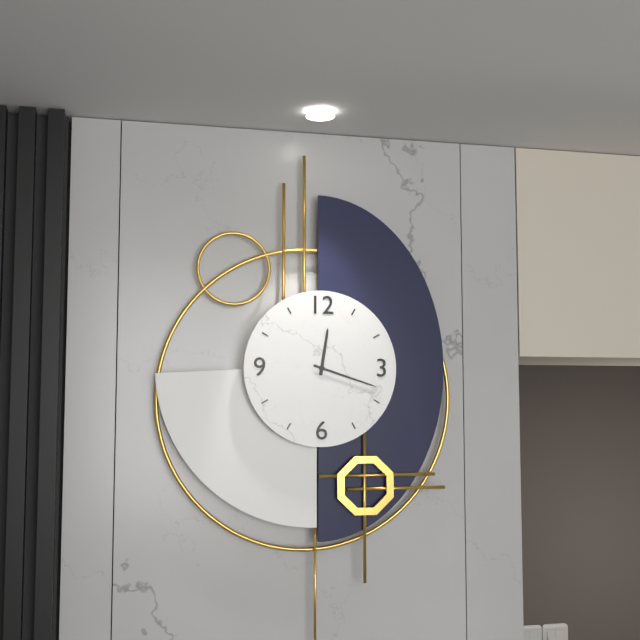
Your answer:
{"hour": 12, "minute": 18}
